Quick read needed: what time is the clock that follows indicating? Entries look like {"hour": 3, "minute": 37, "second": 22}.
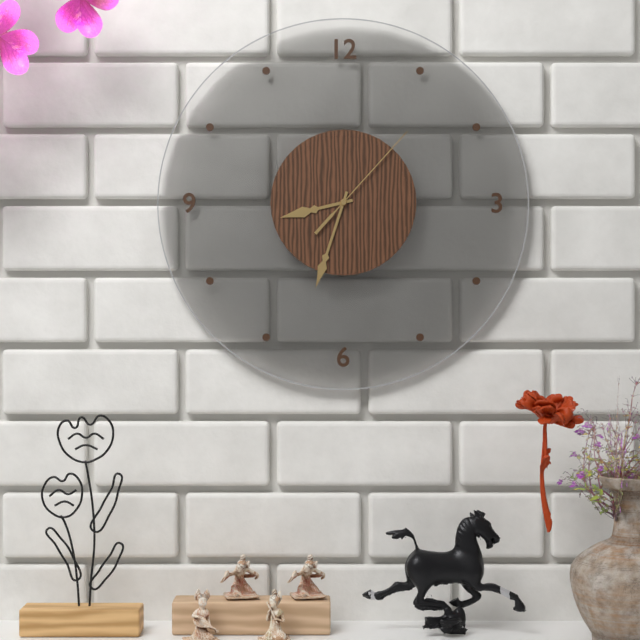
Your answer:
{"hour": 8, "minute": 33, "second": 7}
